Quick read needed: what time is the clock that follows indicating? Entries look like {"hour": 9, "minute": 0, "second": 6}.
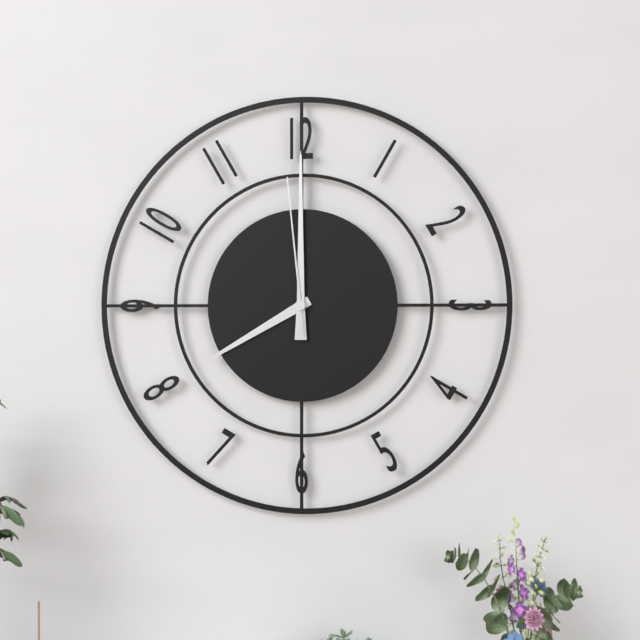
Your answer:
{"hour": 8, "minute": 0, "second": 59}
